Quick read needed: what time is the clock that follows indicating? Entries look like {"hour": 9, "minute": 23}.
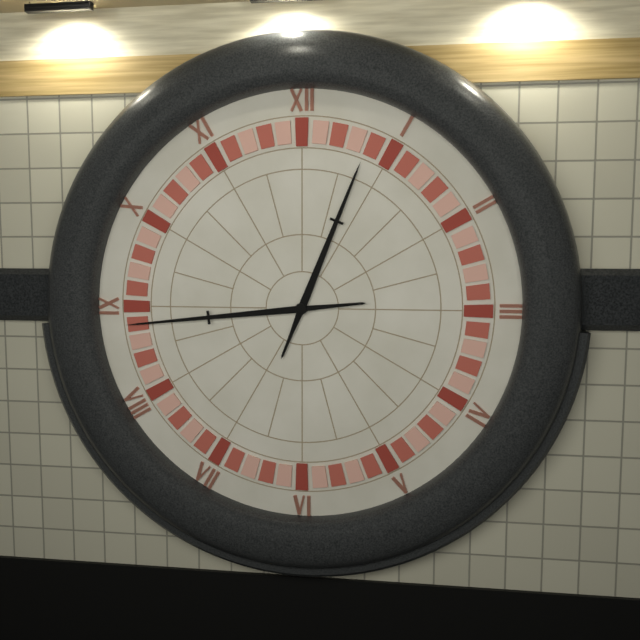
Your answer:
{"hour": 12, "minute": 44}
